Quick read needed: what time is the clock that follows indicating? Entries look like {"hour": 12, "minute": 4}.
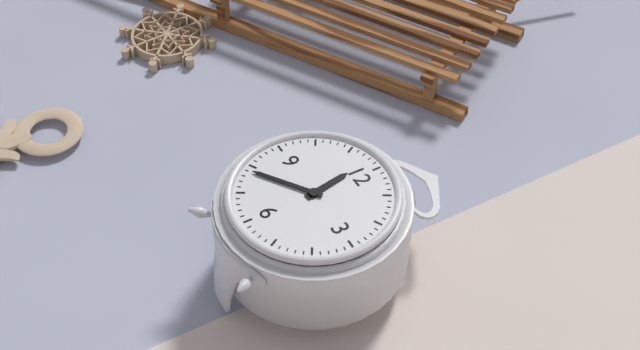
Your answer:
{"hour": 11, "minute": 39}
